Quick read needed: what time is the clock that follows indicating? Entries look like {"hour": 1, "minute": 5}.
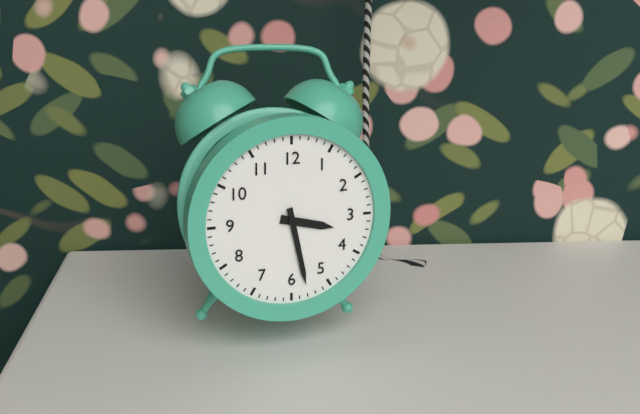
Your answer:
{"hour": 3, "minute": 28}
